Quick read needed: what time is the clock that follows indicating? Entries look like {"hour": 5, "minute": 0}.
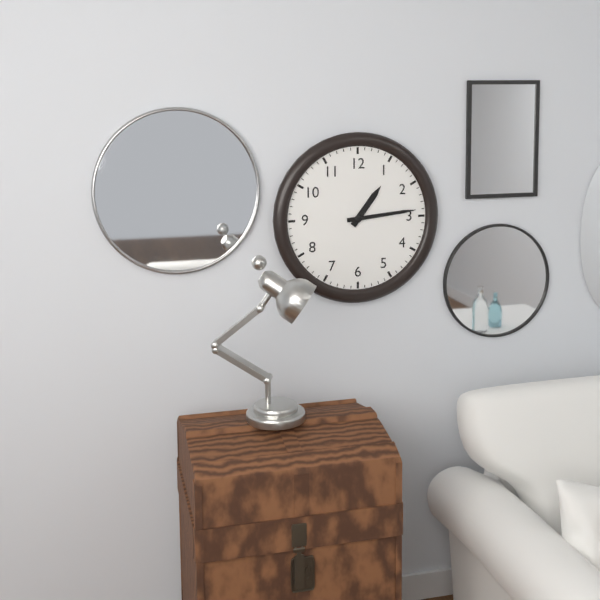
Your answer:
{"hour": 1, "minute": 14}
